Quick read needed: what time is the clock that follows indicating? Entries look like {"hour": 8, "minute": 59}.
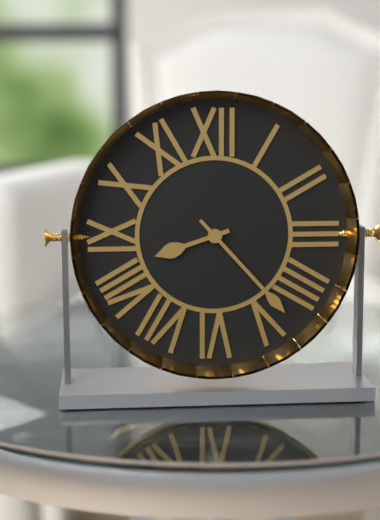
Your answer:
{"hour": 8, "minute": 23}
